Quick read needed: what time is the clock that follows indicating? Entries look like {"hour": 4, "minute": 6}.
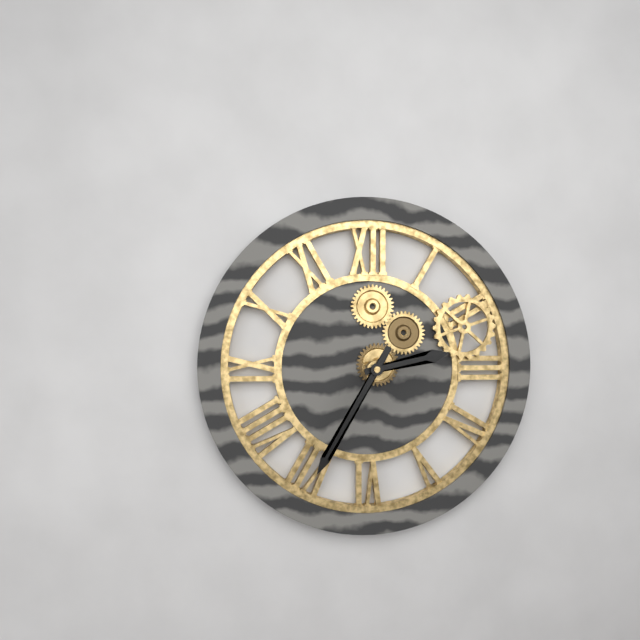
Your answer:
{"hour": 2, "minute": 35}
